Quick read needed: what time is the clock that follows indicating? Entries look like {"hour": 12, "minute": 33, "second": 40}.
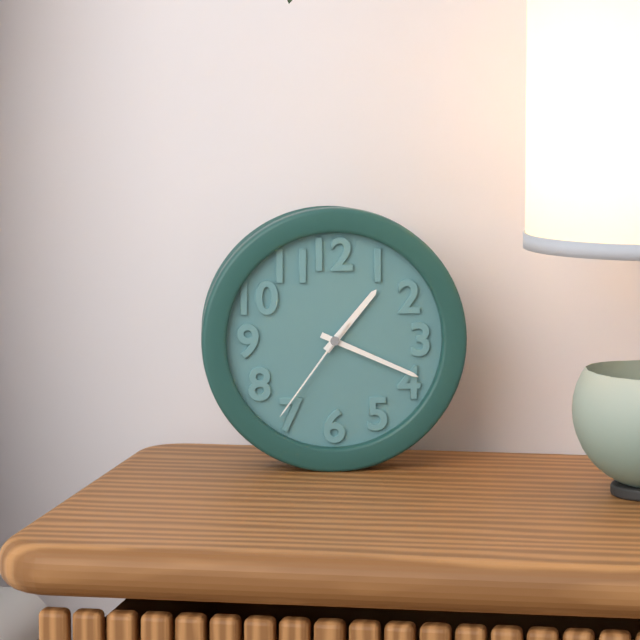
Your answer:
{"hour": 1, "minute": 19, "second": 36}
